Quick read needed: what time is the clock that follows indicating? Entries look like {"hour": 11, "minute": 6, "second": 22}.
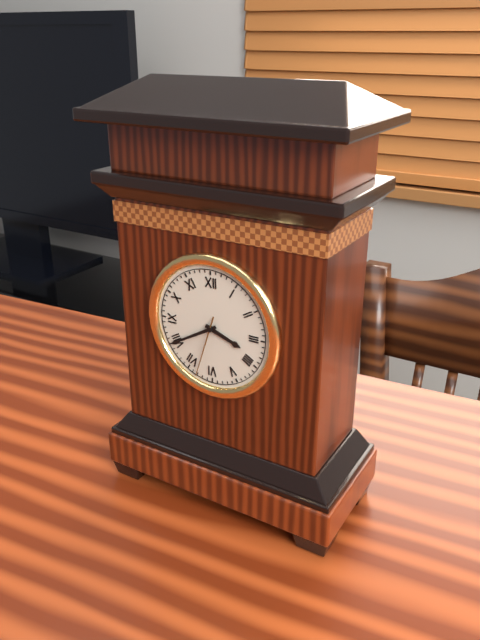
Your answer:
{"hour": 3, "minute": 40, "second": 33}
